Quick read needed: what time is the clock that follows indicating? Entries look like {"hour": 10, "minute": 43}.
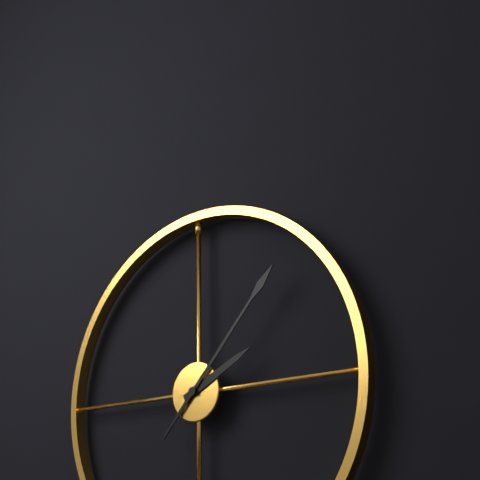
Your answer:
{"hour": 2, "minute": 7}
